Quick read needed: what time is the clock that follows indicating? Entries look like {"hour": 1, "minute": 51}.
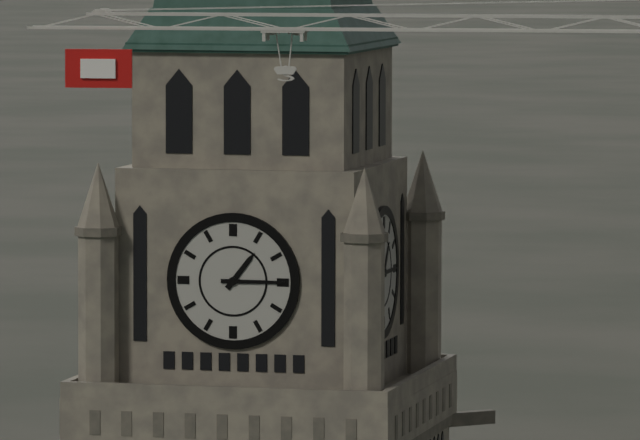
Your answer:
{"hour": 1, "minute": 15}
